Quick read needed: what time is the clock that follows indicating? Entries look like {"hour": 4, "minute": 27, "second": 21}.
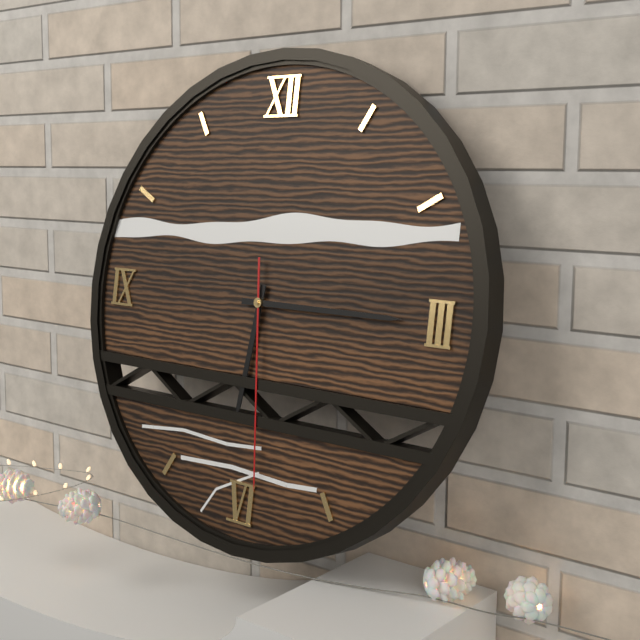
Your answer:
{"hour": 6, "minute": 15, "second": 29}
